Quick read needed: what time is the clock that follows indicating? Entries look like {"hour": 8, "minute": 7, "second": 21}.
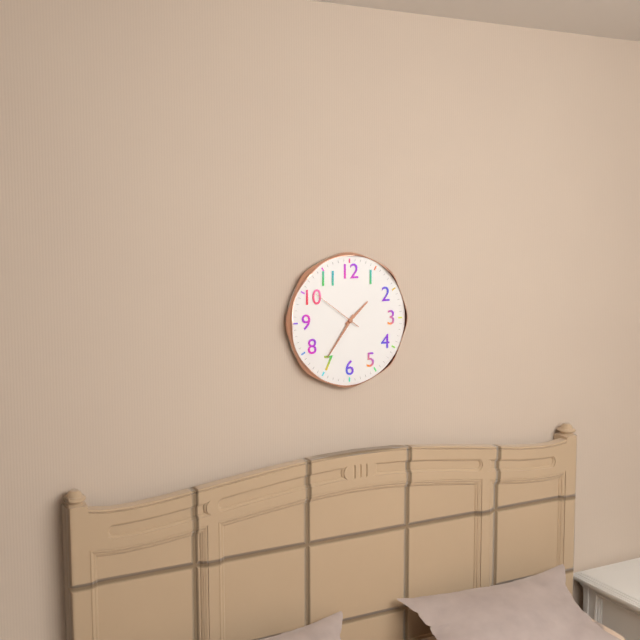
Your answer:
{"hour": 1, "minute": 36, "second": 51}
